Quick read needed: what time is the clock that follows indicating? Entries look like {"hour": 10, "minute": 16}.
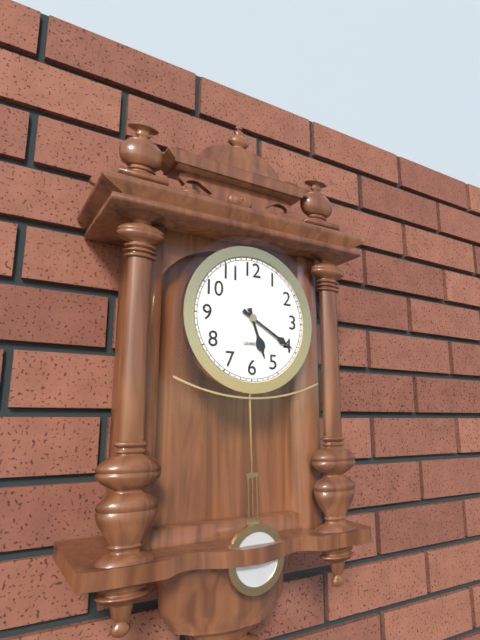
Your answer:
{"hour": 5, "minute": 20}
